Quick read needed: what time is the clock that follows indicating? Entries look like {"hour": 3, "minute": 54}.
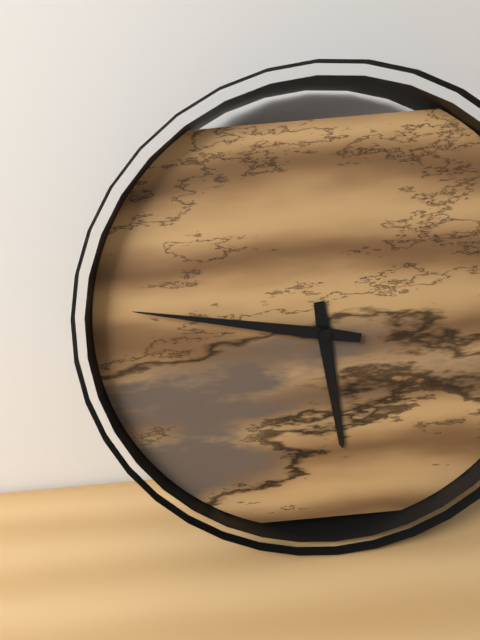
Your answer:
{"hour": 5, "minute": 47}
